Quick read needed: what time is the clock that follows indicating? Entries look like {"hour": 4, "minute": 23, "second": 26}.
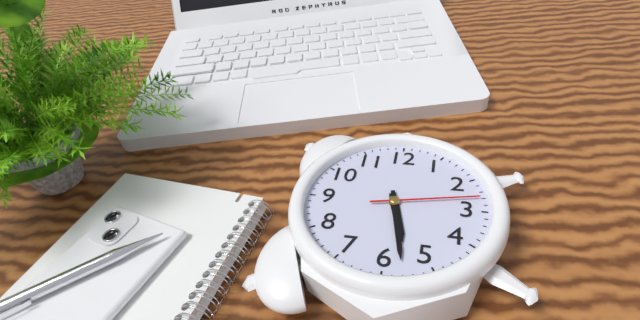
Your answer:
{"hour": 5, "minute": 28, "second": 13}
